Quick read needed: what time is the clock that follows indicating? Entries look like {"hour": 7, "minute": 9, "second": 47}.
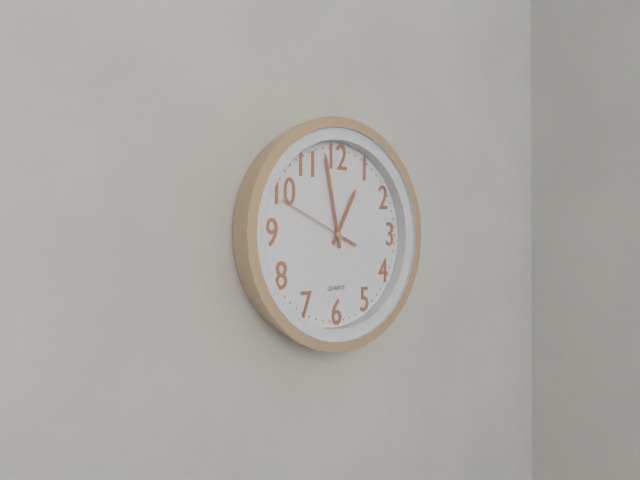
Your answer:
{"hour": 12, "minute": 58, "second": 49}
